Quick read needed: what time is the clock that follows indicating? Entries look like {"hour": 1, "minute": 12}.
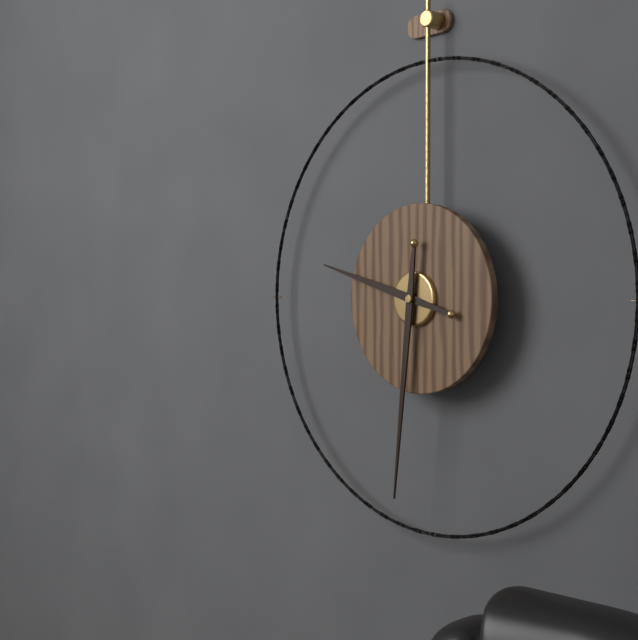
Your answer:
{"hour": 9, "minute": 31}
